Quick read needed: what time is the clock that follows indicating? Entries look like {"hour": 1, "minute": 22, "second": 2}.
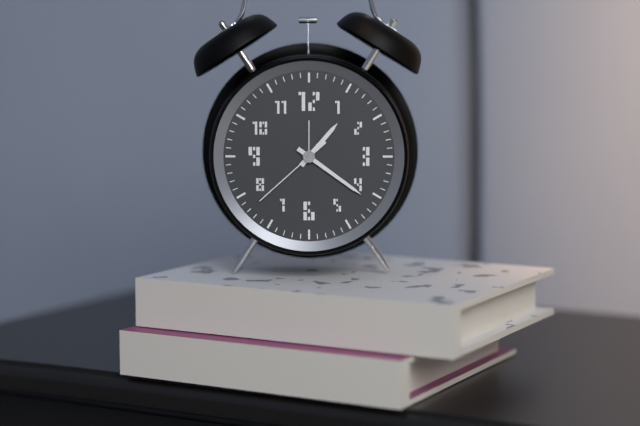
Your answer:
{"hour": 1, "minute": 21, "second": 38}
